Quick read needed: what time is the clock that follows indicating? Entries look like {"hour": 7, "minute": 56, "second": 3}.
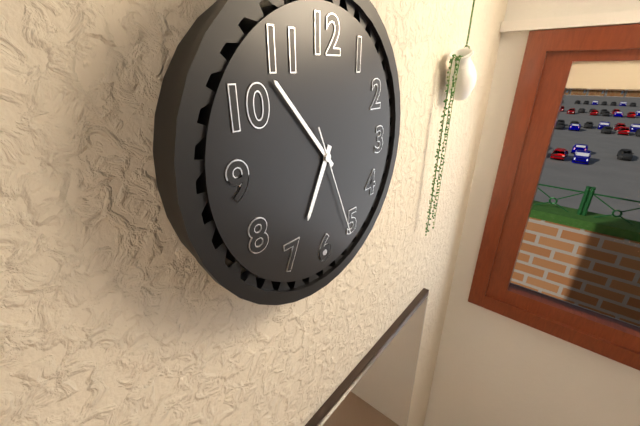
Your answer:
{"hour": 6, "minute": 53, "second": 26}
